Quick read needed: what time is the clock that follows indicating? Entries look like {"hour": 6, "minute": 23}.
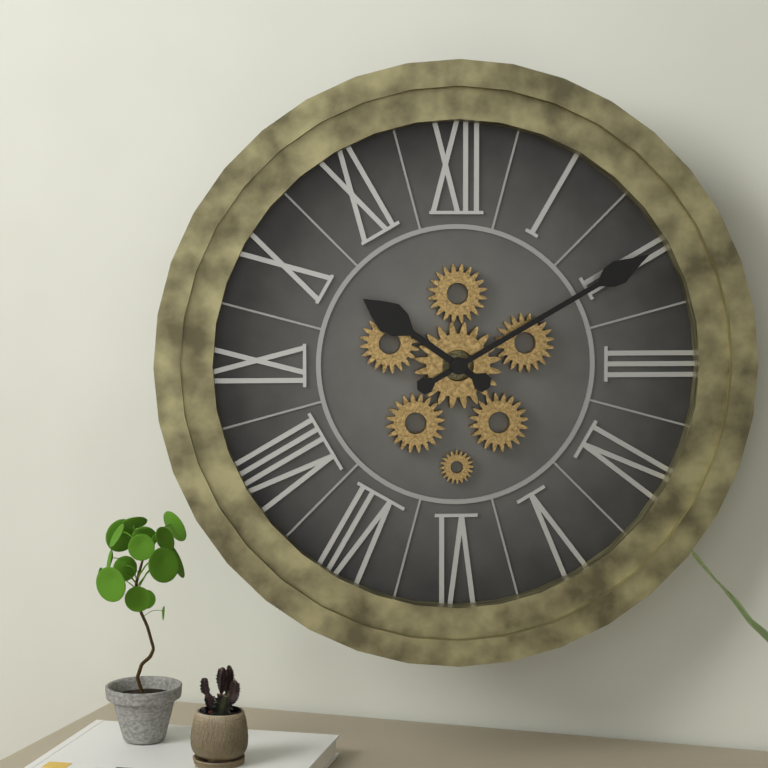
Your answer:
{"hour": 10, "minute": 10}
